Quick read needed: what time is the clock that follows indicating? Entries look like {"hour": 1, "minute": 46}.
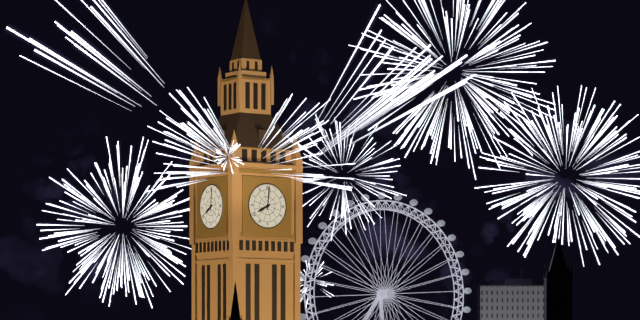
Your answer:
{"hour": 8, "minute": 1}
